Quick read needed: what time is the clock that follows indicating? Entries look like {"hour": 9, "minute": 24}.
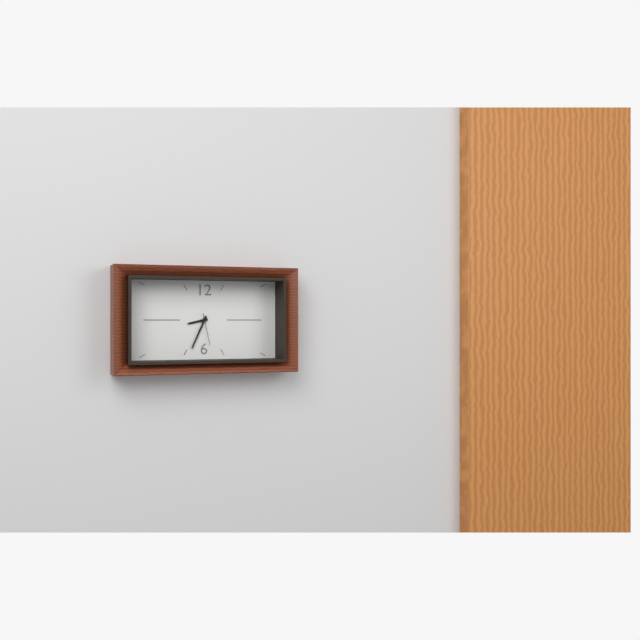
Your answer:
{"hour": 8, "minute": 34}
